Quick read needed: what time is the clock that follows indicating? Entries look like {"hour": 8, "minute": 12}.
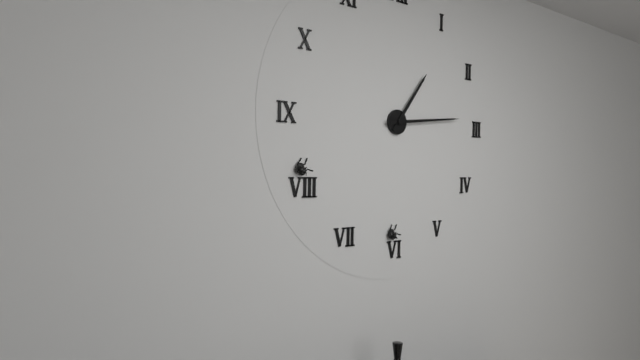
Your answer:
{"hour": 1, "minute": 14}
